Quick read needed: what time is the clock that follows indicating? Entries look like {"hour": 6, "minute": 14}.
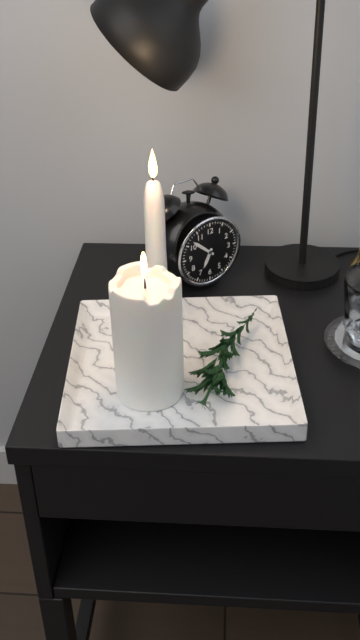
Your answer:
{"hour": 6, "minute": 52}
